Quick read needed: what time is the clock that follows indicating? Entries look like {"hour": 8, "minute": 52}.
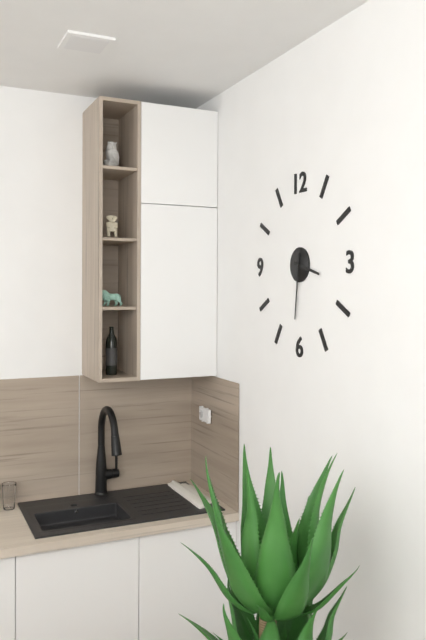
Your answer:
{"hour": 3, "minute": 31}
